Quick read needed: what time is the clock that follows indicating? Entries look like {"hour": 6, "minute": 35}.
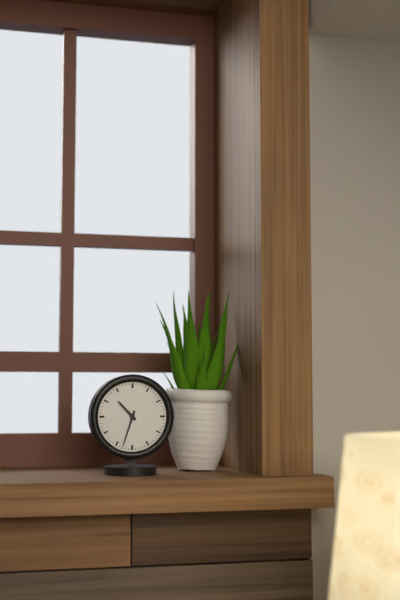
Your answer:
{"hour": 10, "minute": 33}
